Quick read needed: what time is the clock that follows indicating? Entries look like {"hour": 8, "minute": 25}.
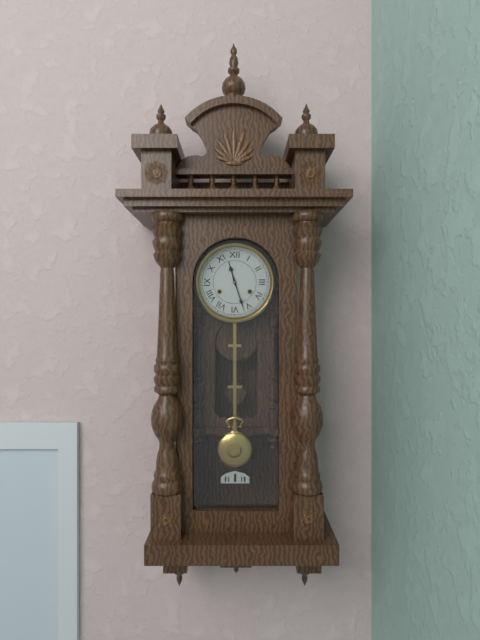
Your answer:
{"hour": 11, "minute": 27}
